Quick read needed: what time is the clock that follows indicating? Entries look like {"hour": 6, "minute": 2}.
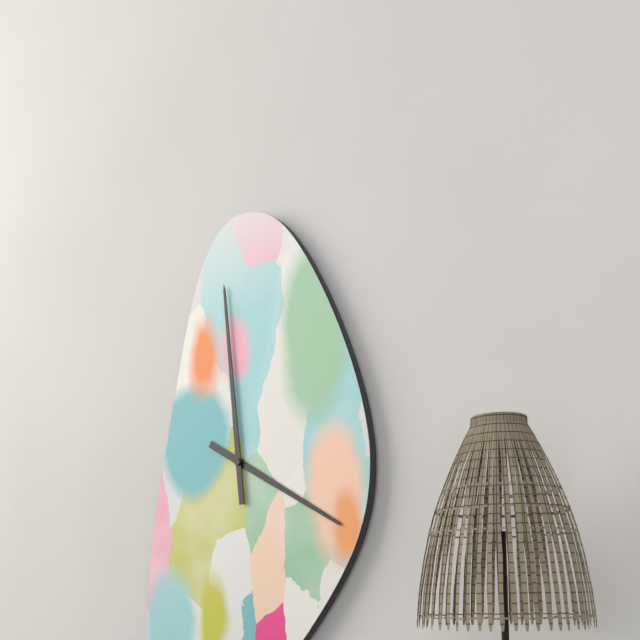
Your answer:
{"hour": 3, "minute": 59}
